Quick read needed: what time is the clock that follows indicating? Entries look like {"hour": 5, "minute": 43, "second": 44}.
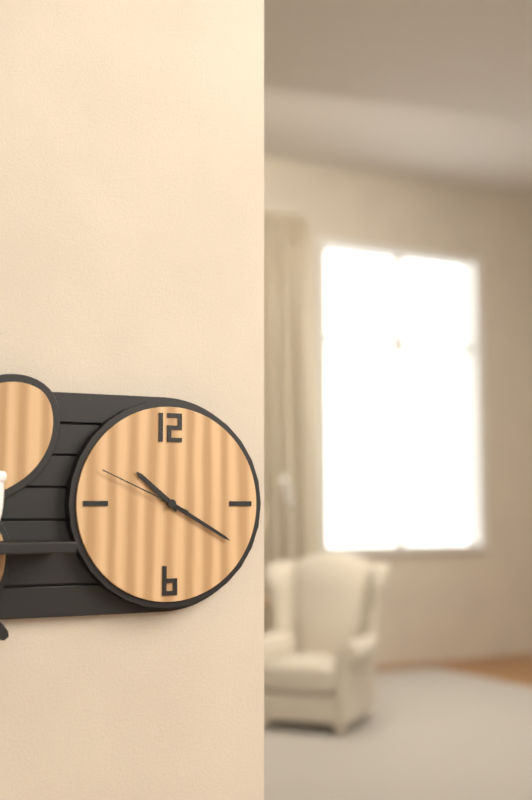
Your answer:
{"hour": 10, "minute": 20, "second": 49}
